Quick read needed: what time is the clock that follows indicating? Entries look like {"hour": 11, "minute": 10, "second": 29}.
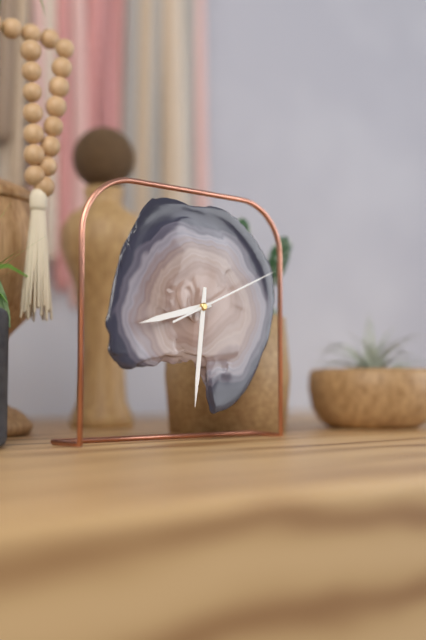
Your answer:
{"hour": 8, "minute": 31, "second": 11}
